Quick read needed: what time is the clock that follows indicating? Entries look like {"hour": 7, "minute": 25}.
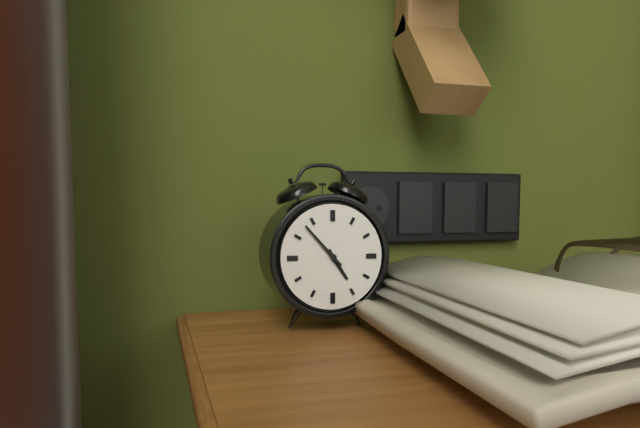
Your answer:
{"hour": 4, "minute": 53}
